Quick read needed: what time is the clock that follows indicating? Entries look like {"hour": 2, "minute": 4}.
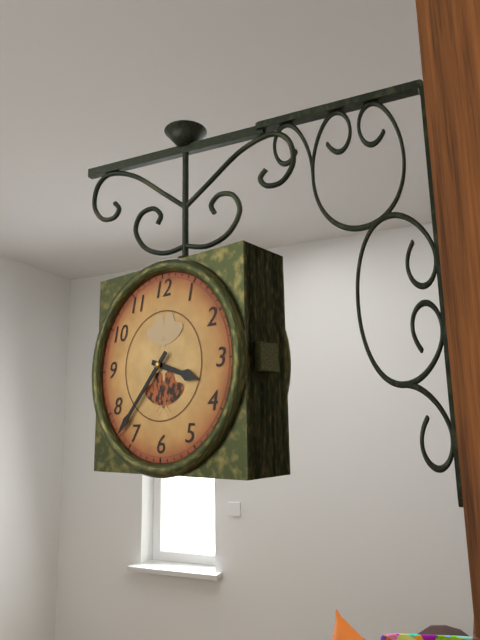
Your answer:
{"hour": 3, "minute": 37}
